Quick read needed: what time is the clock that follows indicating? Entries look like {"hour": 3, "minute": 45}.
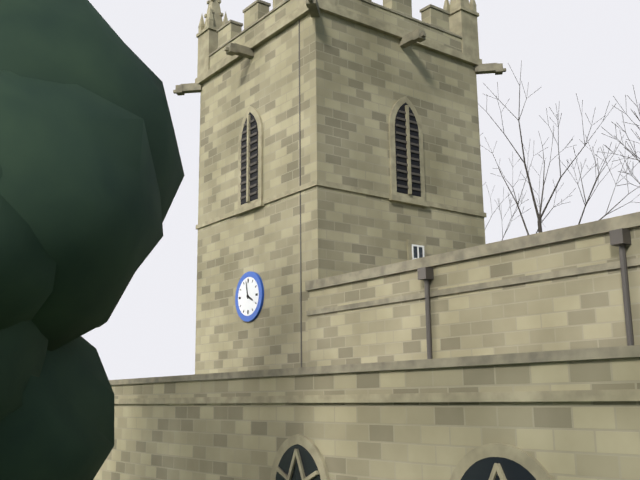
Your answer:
{"hour": 3, "minute": 58}
